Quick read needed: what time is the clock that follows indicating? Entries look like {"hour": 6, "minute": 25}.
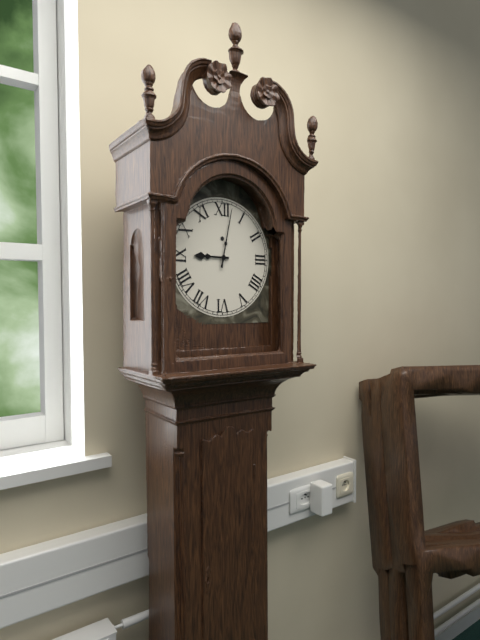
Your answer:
{"hour": 9, "minute": 2}
